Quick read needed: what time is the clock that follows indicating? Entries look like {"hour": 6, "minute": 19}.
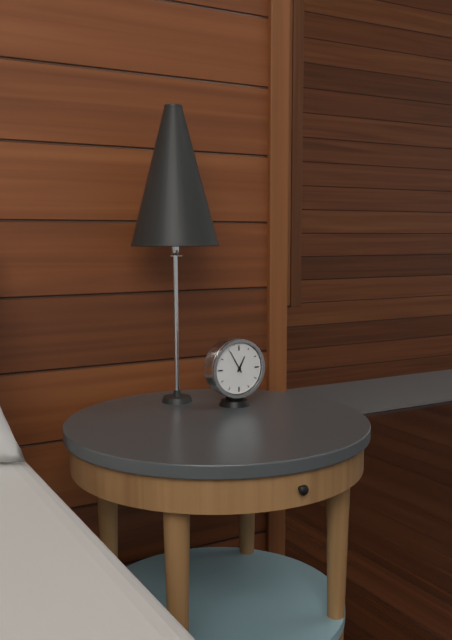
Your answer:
{"hour": 12, "minute": 55}
